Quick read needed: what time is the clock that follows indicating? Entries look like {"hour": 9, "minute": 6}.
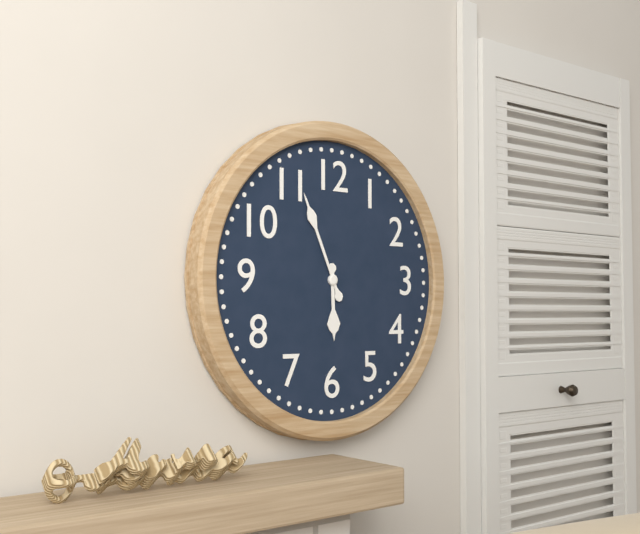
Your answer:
{"hour": 5, "minute": 56}
